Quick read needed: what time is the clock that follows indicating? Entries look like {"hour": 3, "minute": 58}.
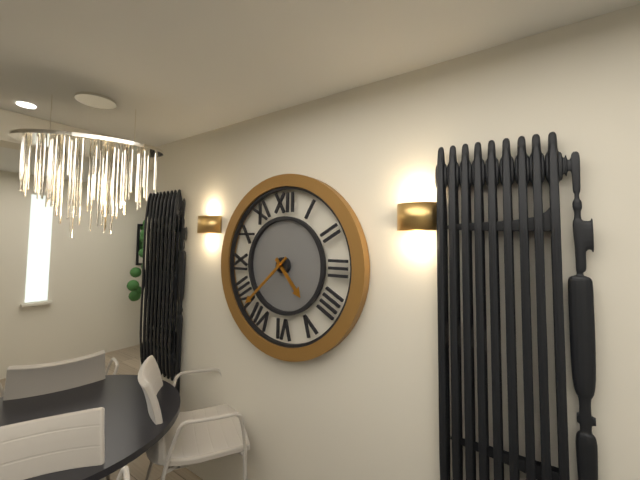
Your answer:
{"hour": 4, "minute": 38}
